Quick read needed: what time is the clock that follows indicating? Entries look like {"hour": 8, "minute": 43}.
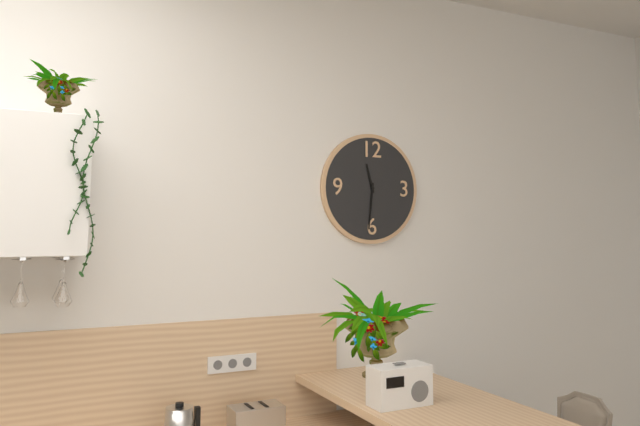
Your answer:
{"hour": 11, "minute": 31}
